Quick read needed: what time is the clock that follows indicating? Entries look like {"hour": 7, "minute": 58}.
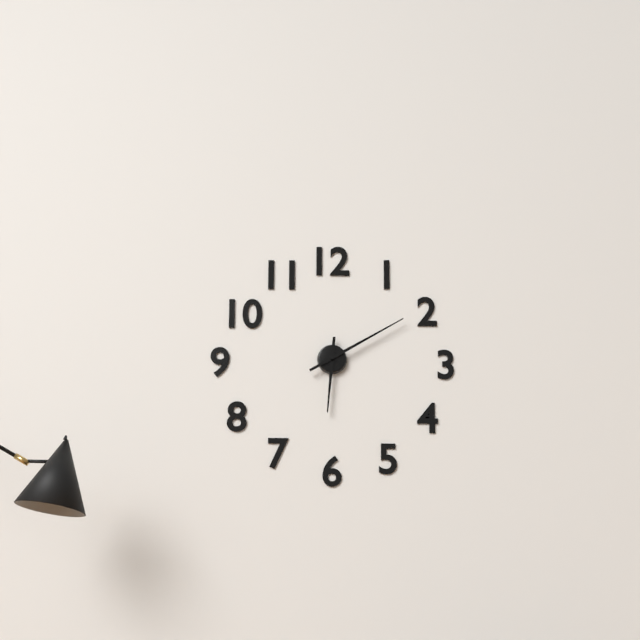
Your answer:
{"hour": 6, "minute": 10}
